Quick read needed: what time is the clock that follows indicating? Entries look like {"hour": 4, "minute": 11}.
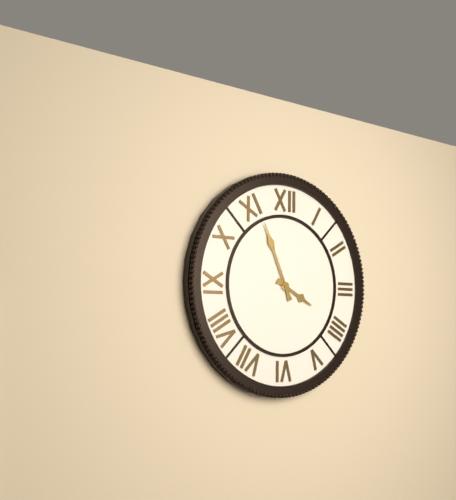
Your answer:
{"hour": 3, "minute": 56}
